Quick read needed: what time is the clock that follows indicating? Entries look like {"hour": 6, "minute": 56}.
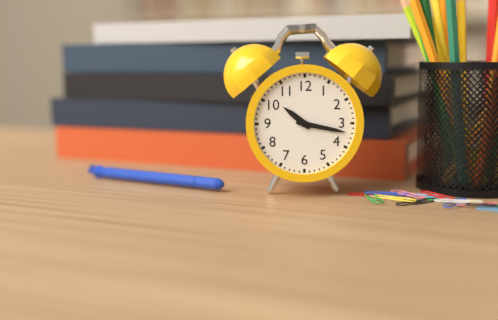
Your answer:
{"hour": 10, "minute": 17}
